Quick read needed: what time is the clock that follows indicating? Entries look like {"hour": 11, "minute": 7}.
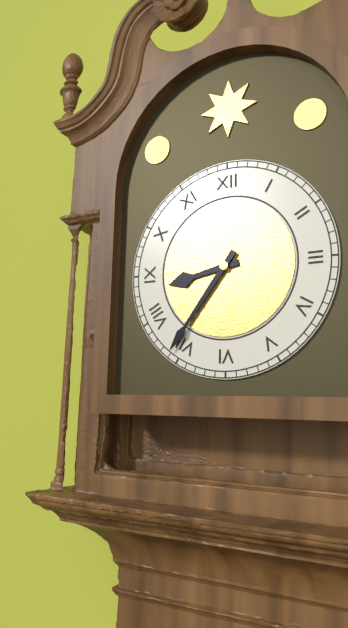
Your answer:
{"hour": 8, "minute": 36}
